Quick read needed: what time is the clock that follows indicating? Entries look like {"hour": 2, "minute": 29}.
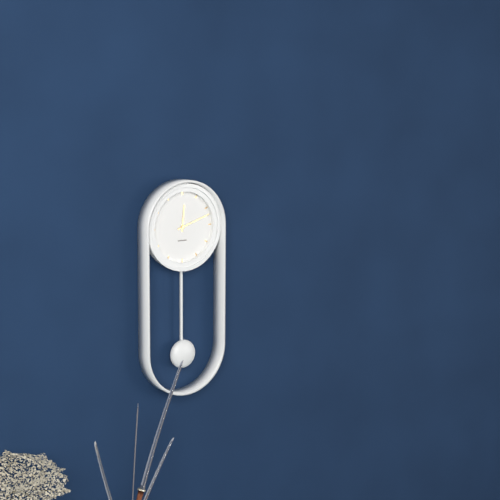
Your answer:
{"hour": 12, "minute": 12}
